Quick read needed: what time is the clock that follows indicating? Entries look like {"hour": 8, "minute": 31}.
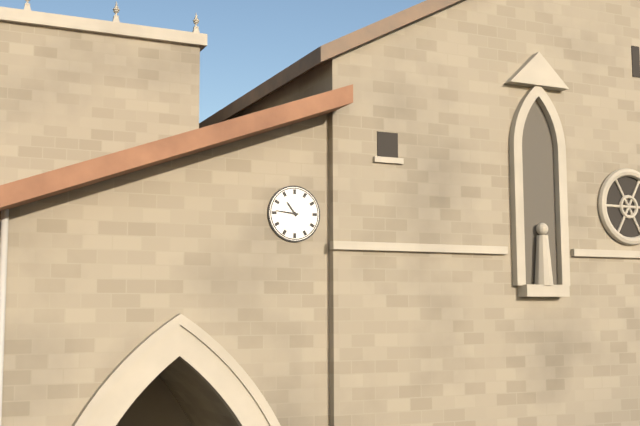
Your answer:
{"hour": 10, "minute": 46}
